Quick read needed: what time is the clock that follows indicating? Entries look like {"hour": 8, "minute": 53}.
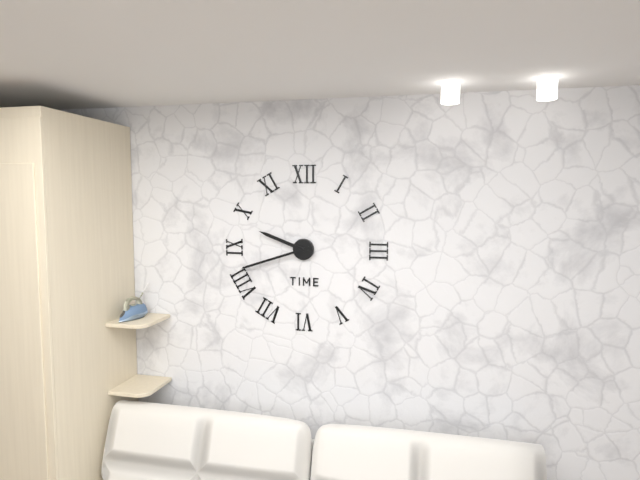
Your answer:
{"hour": 9, "minute": 42}
